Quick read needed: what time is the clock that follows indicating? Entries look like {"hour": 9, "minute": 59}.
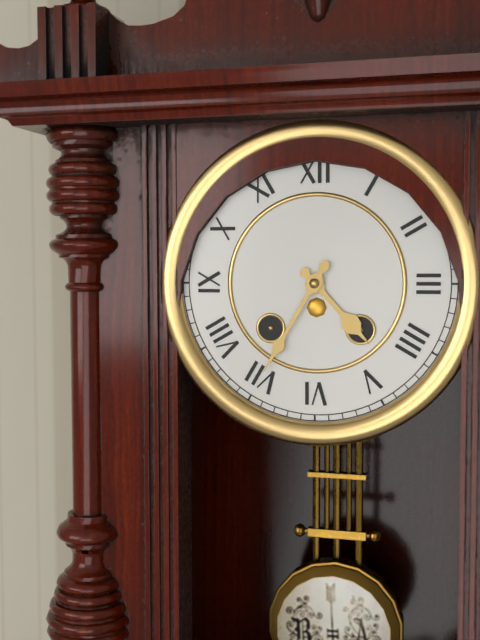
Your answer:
{"hour": 4, "minute": 35}
